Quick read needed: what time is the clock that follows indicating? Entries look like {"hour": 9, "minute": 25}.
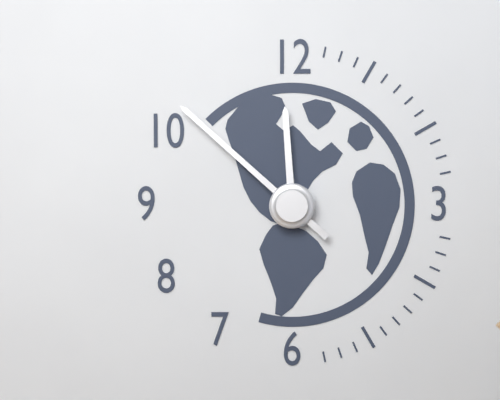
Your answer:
{"hour": 11, "minute": 52}
